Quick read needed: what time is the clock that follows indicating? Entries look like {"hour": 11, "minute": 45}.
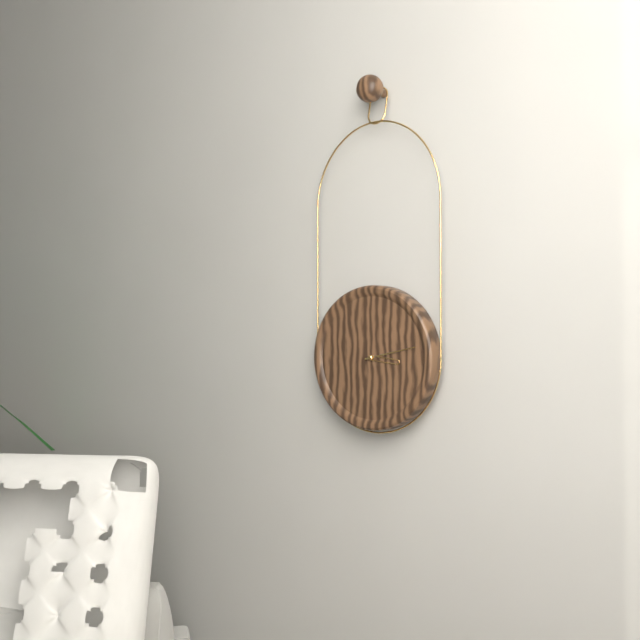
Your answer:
{"hour": 3, "minute": 13}
